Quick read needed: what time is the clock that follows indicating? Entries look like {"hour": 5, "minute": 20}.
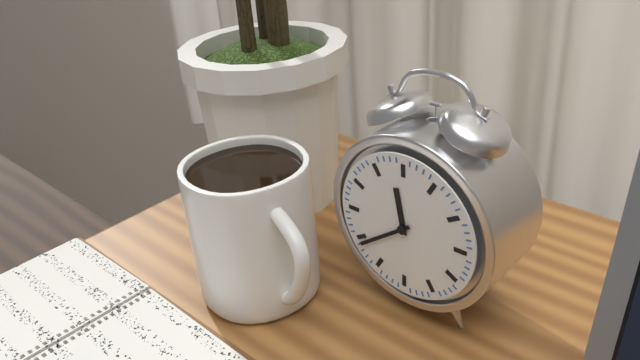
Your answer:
{"hour": 11, "minute": 39}
